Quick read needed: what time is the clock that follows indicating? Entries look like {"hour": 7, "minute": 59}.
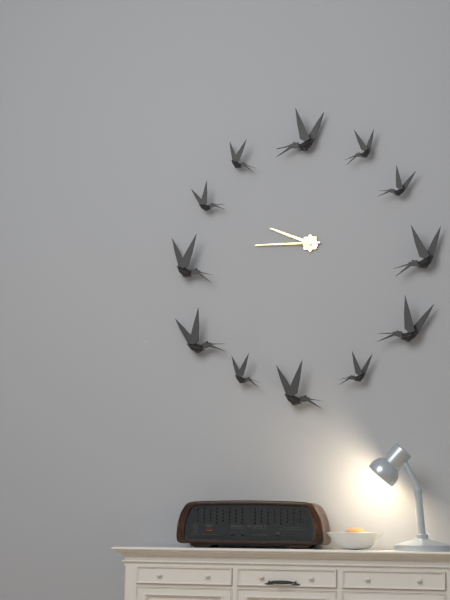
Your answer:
{"hour": 9, "minute": 45}
